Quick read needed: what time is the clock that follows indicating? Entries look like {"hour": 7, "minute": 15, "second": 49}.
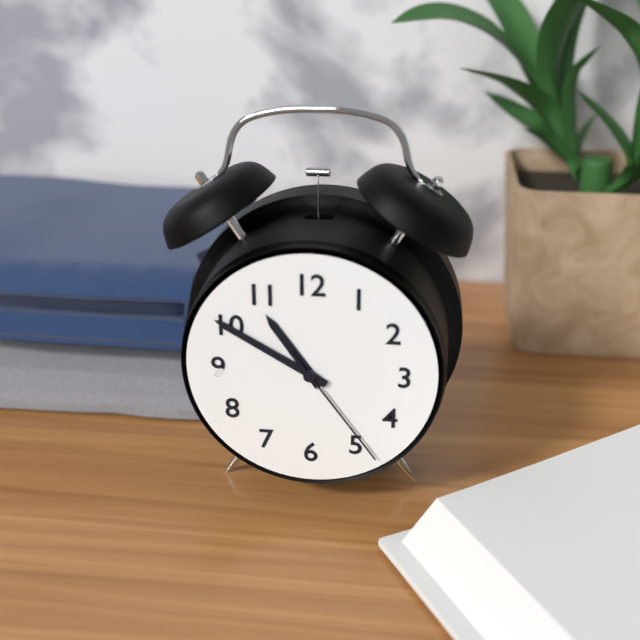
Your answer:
{"hour": 10, "minute": 50, "second": 24}
